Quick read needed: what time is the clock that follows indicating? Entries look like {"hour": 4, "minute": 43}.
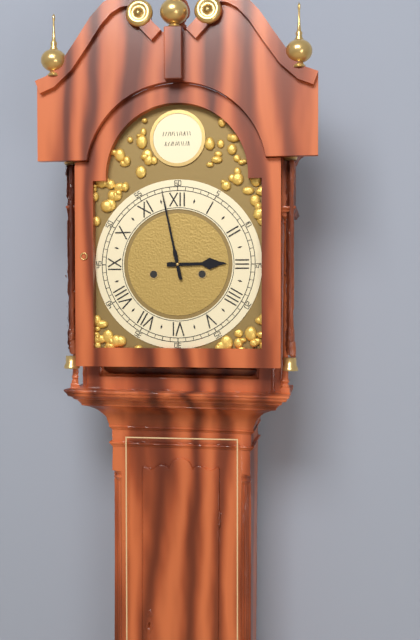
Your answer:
{"hour": 2, "minute": 58}
